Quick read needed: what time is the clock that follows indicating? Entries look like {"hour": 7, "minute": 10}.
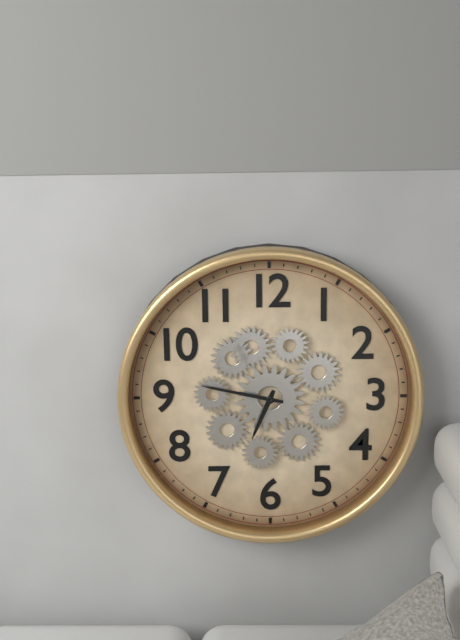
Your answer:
{"hour": 6, "minute": 47}
